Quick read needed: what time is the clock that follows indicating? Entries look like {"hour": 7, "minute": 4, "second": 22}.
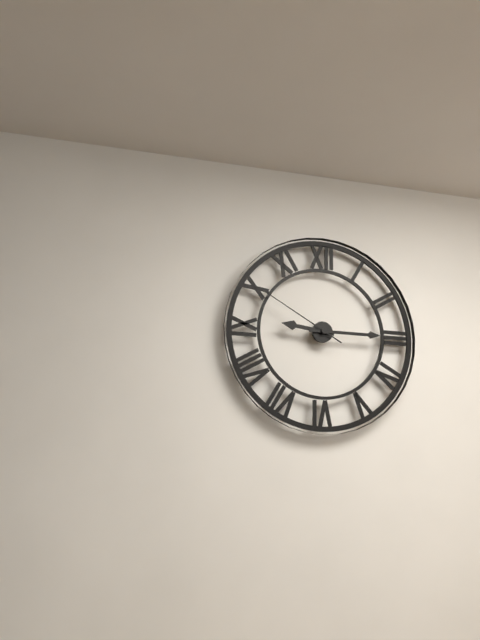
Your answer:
{"hour": 9, "minute": 15, "second": 50}
